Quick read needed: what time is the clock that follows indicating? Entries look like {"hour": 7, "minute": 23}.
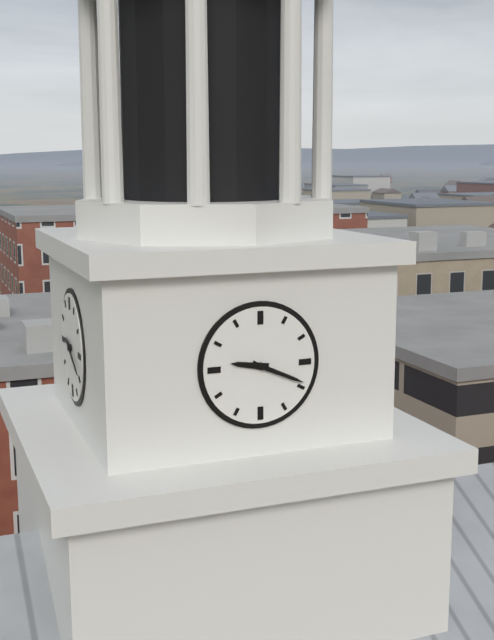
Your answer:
{"hour": 9, "minute": 19}
